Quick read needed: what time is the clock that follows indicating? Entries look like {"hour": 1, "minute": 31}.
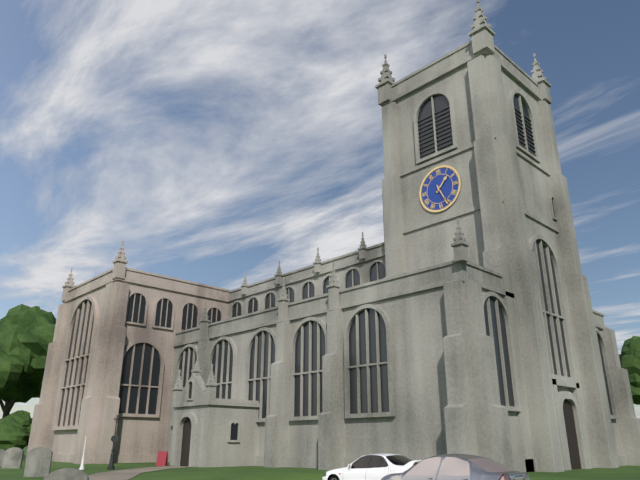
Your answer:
{"hour": 1, "minute": 26}
